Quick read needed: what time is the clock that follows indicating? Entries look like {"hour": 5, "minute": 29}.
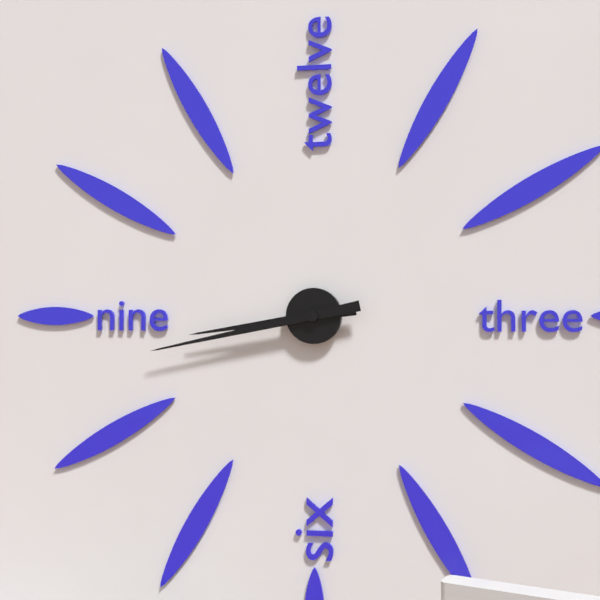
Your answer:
{"hour": 8, "minute": 43}
